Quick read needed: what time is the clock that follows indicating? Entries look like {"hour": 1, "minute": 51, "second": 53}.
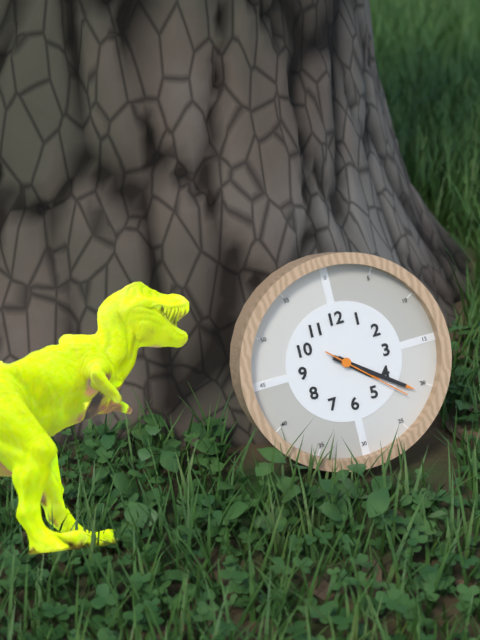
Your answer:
{"hour": 4, "minute": 21, "second": 22}
